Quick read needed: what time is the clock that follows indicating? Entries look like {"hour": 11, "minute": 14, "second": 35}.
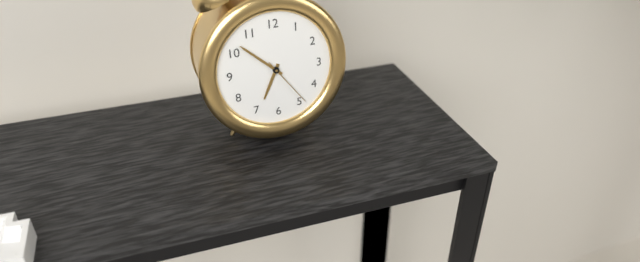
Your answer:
{"hour": 6, "minute": 52, "second": 24}
